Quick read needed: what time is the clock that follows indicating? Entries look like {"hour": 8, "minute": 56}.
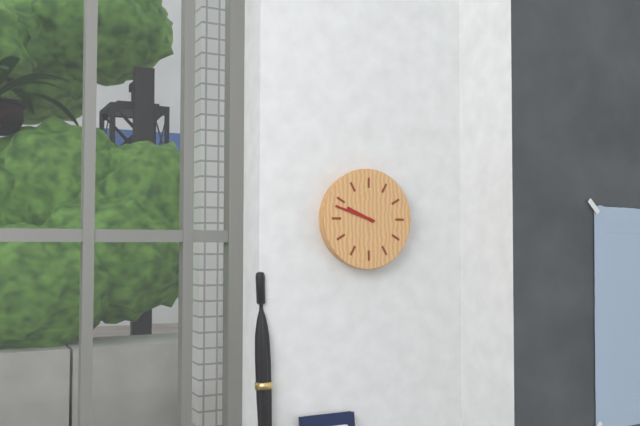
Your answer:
{"hour": 9, "minute": 48}
